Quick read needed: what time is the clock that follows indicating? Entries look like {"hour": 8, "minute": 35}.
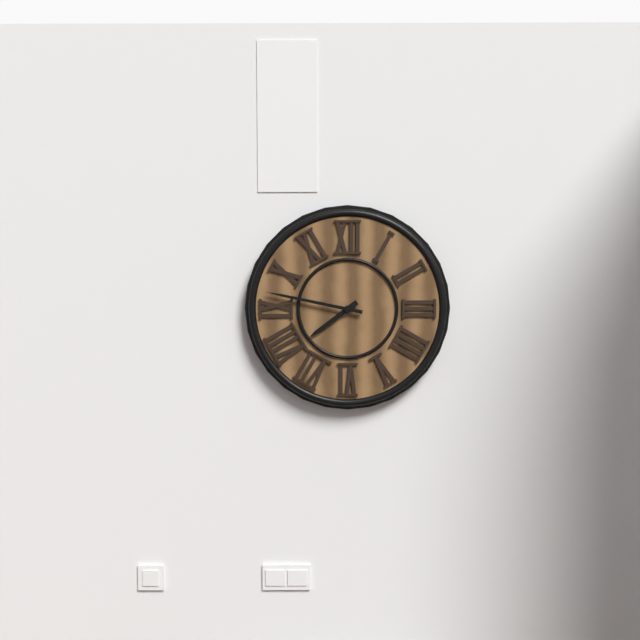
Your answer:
{"hour": 7, "minute": 47}
